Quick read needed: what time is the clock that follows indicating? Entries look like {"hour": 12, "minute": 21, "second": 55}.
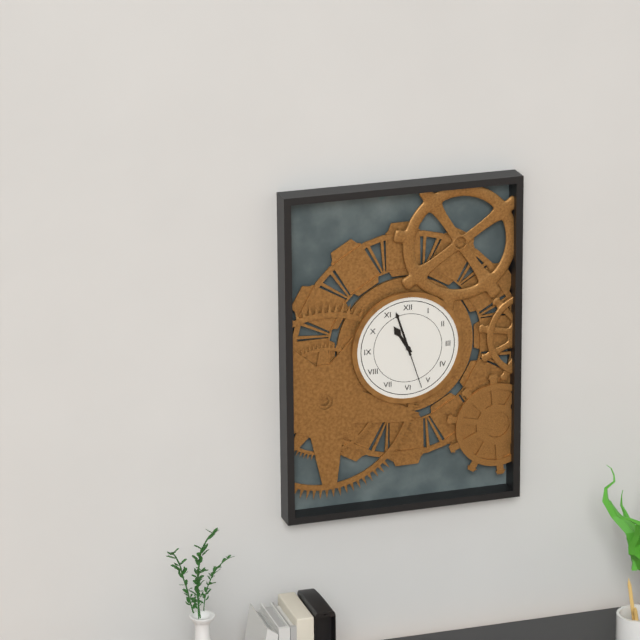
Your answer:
{"hour": 10, "minute": 57, "second": 27}
